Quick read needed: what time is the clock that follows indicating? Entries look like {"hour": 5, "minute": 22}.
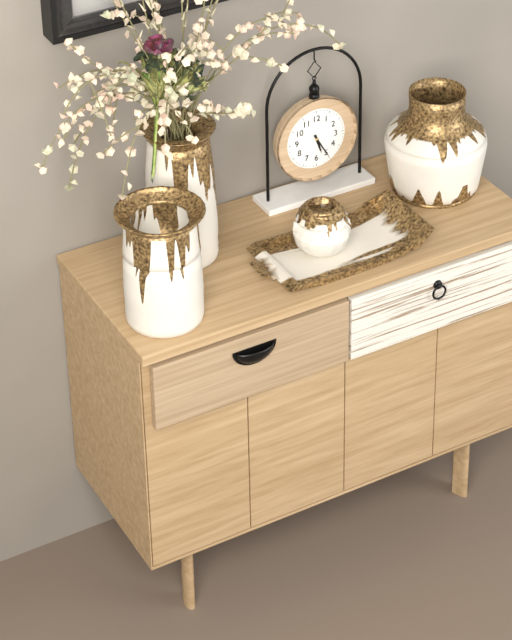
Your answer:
{"hour": 5, "minute": 25}
